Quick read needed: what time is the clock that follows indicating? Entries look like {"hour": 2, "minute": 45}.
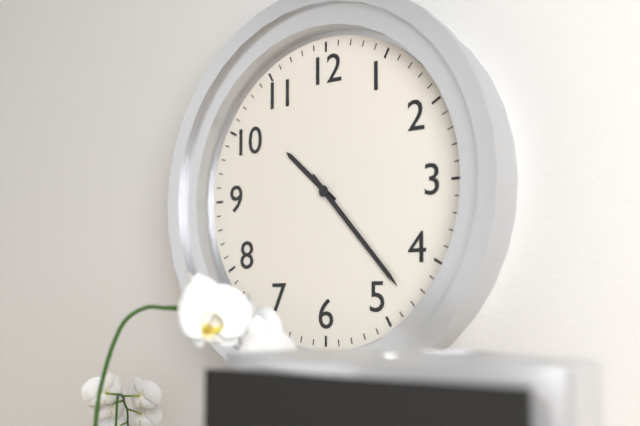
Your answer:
{"hour": 10, "minute": 23}
